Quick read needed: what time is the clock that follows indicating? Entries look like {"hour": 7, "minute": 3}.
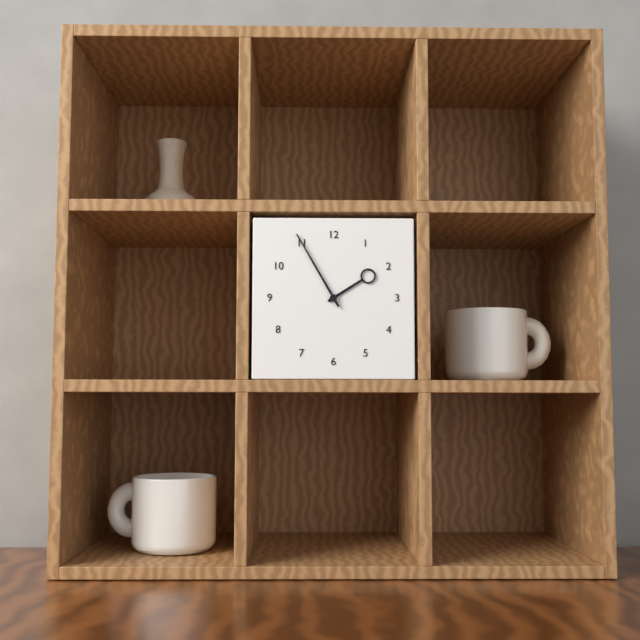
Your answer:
{"hour": 1, "minute": 55}
